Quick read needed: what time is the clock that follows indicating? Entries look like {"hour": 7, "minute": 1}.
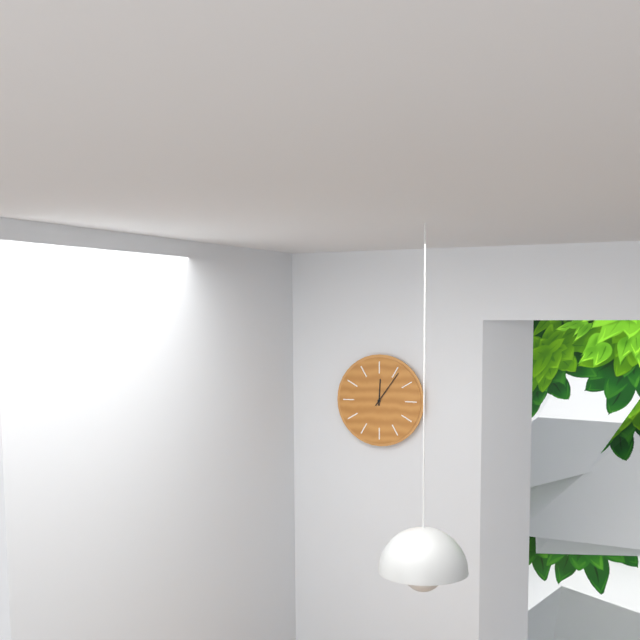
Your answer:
{"hour": 12, "minute": 6}
